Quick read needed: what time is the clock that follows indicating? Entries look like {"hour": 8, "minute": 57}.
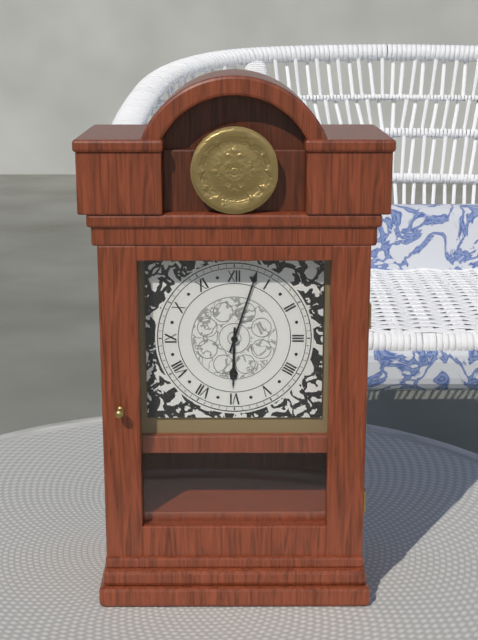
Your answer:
{"hour": 6, "minute": 3}
